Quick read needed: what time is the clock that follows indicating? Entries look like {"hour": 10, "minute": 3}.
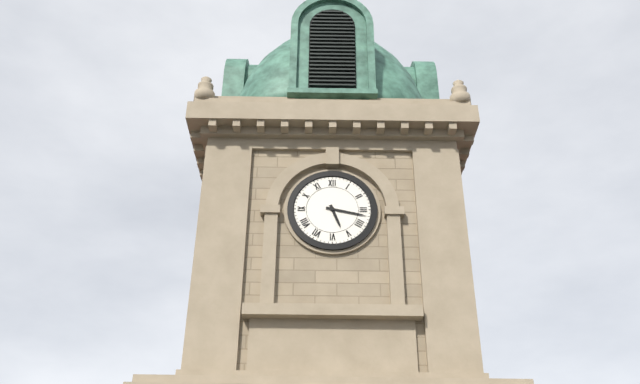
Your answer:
{"hour": 5, "minute": 17}
